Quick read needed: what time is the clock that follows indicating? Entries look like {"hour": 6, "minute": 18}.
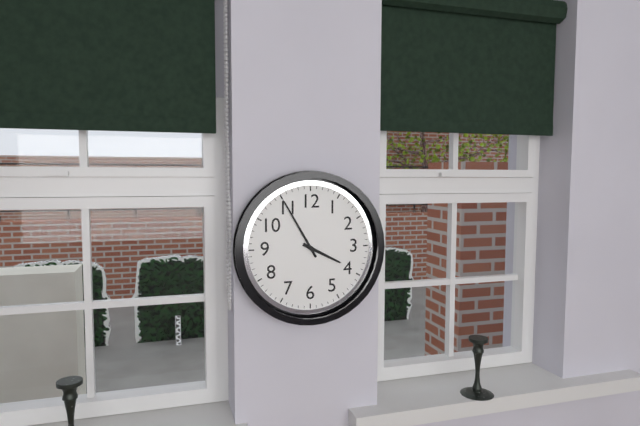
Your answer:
{"hour": 3, "minute": 55}
